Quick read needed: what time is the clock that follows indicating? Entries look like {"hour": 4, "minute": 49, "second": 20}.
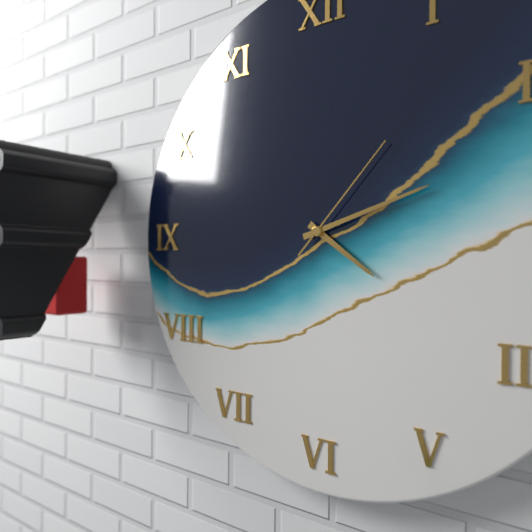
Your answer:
{"hour": 4, "minute": 12, "second": 7}
